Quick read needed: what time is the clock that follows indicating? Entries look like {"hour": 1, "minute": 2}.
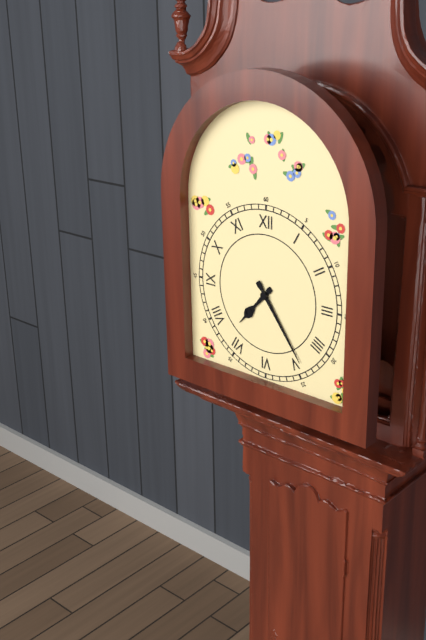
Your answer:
{"hour": 7, "minute": 24}
